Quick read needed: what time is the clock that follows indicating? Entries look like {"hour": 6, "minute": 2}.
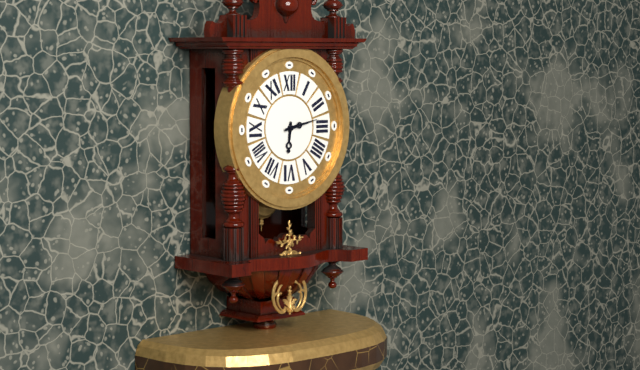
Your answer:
{"hour": 6, "minute": 13}
